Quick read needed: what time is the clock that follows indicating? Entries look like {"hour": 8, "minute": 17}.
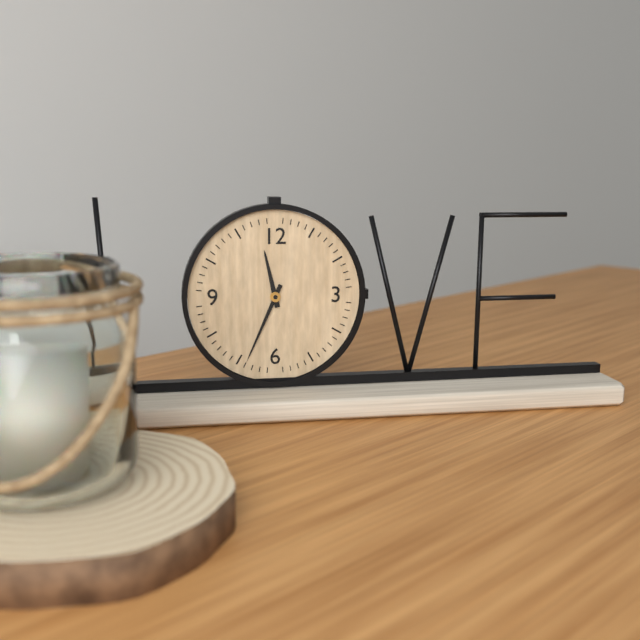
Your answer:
{"hour": 11, "minute": 34}
